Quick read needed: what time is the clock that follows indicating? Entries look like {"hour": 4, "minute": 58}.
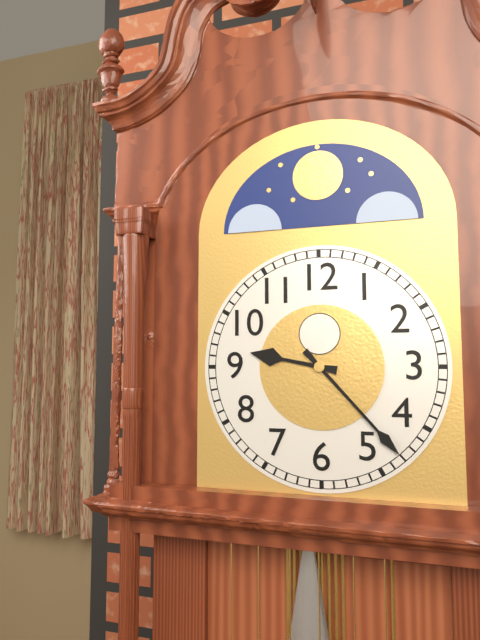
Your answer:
{"hour": 9, "minute": 23}
